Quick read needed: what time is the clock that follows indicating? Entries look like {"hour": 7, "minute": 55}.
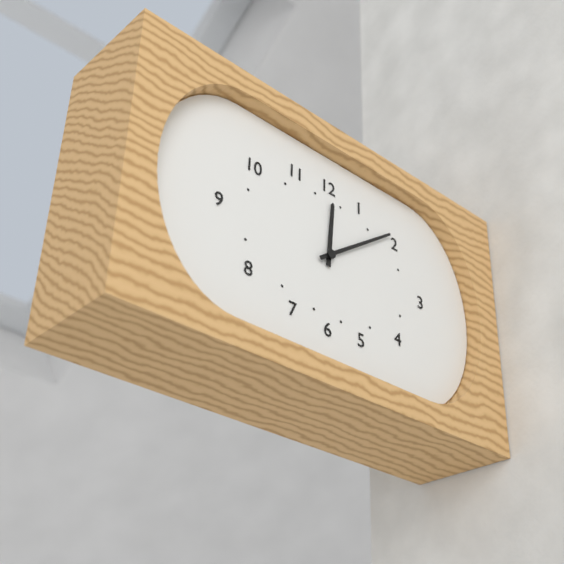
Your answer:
{"hour": 12, "minute": 9}
